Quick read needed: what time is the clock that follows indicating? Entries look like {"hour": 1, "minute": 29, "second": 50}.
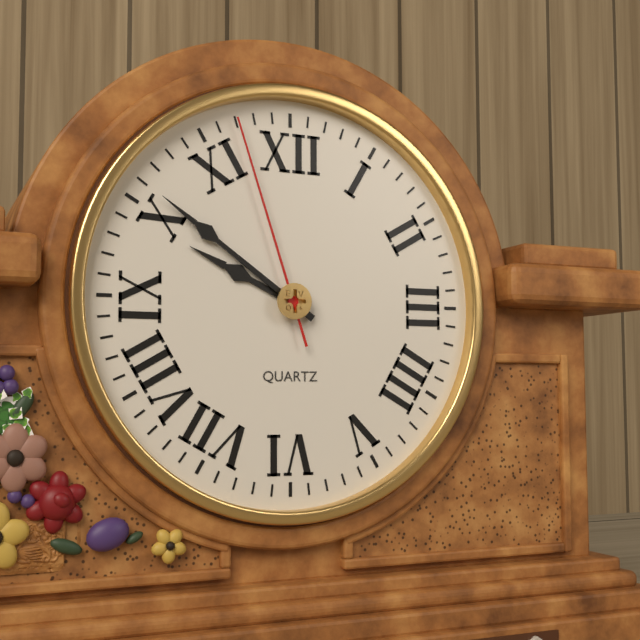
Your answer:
{"hour": 9, "minute": 51, "second": 57}
